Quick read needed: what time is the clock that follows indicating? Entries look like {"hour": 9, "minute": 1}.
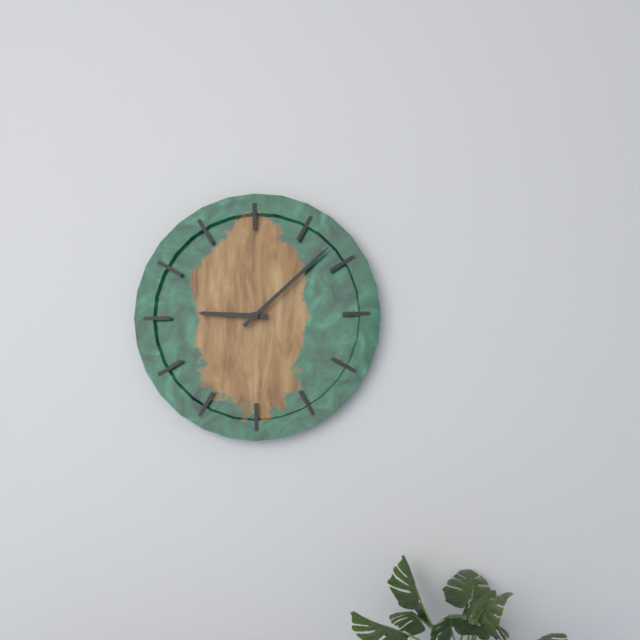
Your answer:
{"hour": 9, "minute": 8}
